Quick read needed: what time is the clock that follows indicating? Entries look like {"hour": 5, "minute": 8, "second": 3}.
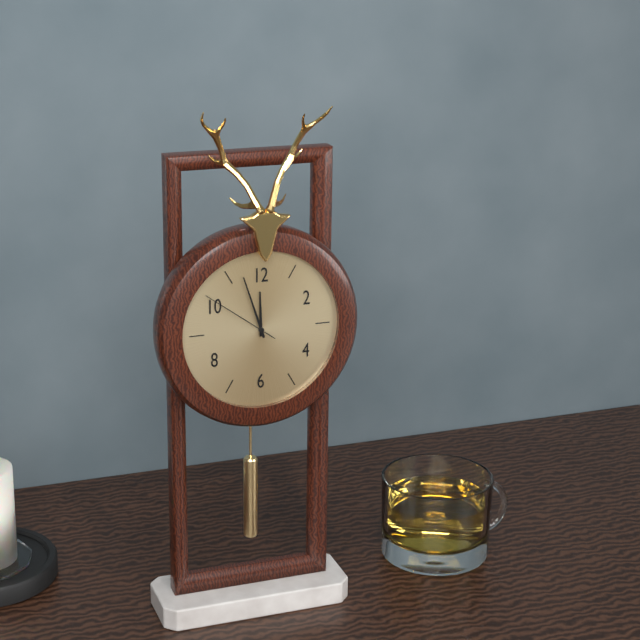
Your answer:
{"hour": 11, "minute": 57, "second": 51}
